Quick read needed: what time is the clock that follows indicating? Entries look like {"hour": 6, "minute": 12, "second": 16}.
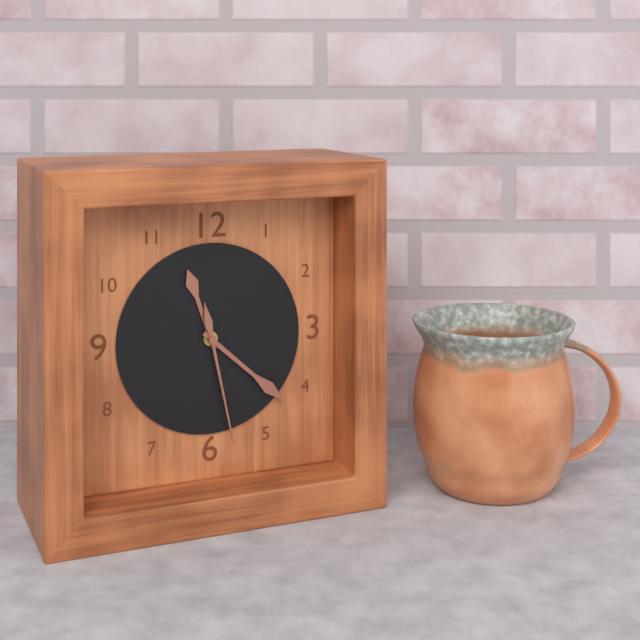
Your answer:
{"hour": 11, "minute": 22, "second": 28}
